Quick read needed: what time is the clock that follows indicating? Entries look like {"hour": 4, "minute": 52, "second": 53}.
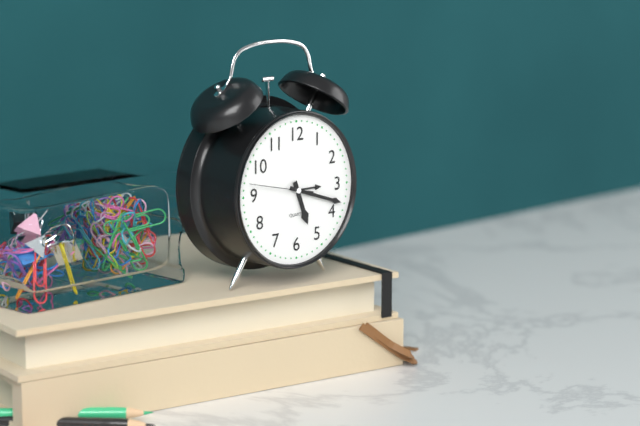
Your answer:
{"hour": 5, "minute": 18, "second": 47}
